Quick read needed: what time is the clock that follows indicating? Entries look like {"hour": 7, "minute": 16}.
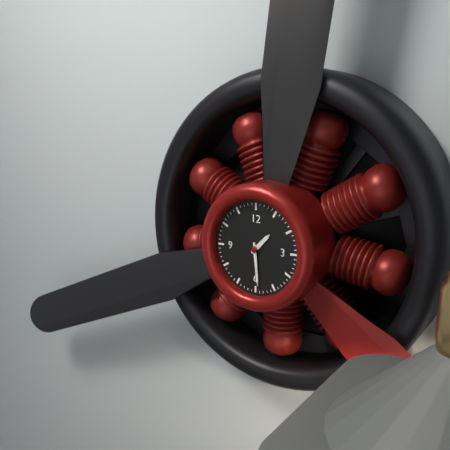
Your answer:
{"hour": 1, "minute": 29}
